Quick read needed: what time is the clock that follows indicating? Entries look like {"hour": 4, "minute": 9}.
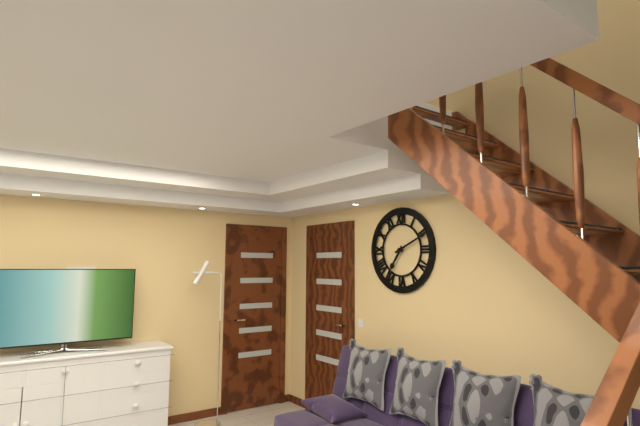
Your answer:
{"hour": 7, "minute": 11}
